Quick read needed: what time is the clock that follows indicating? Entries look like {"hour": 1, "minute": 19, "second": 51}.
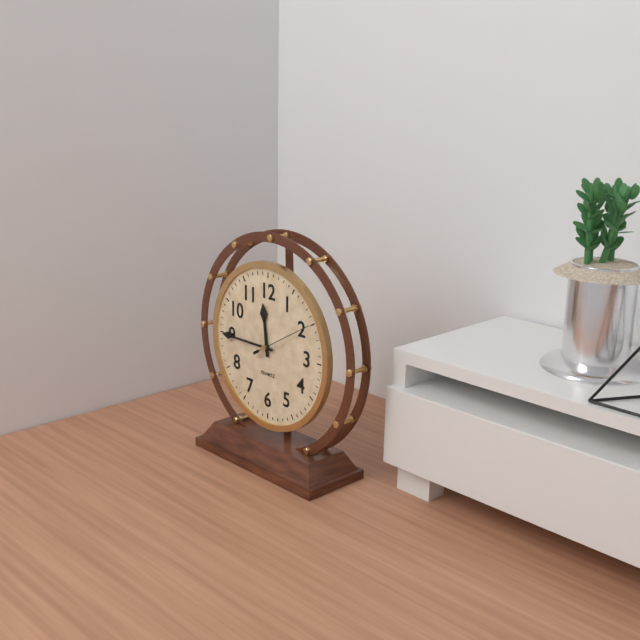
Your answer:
{"hour": 11, "minute": 45, "second": 10}
